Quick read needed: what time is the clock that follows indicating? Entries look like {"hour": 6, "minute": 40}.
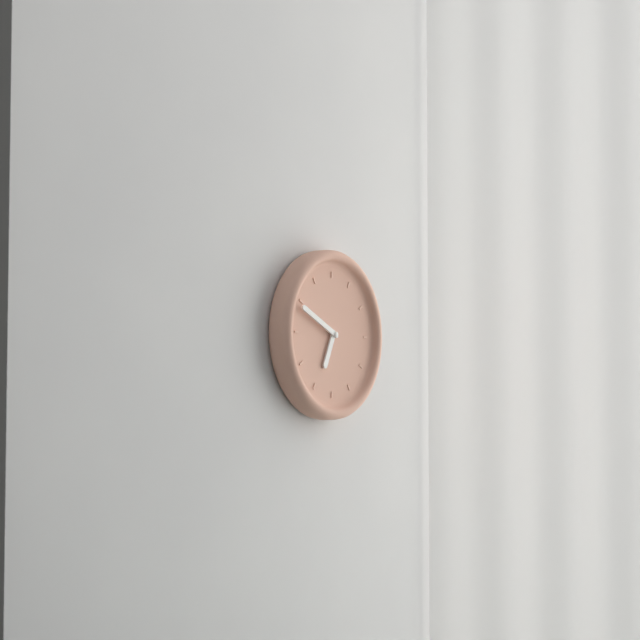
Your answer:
{"hour": 6, "minute": 49}
